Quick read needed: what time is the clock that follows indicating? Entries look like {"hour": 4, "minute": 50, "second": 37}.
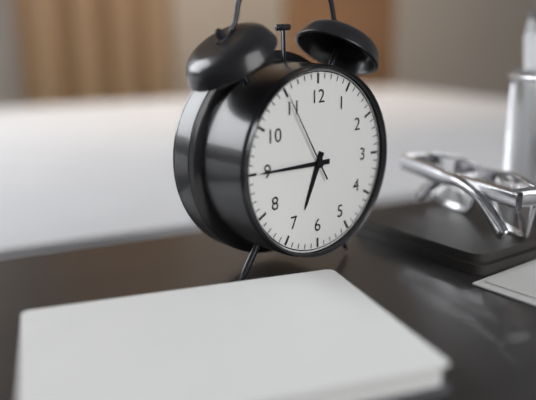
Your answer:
{"hour": 6, "minute": 45, "second": 55}
